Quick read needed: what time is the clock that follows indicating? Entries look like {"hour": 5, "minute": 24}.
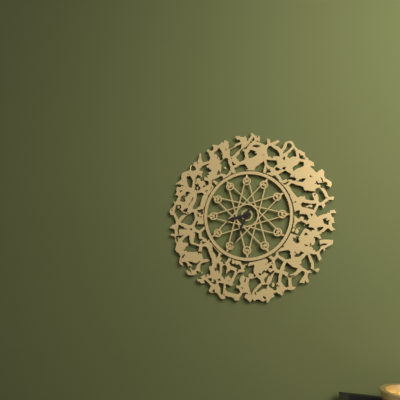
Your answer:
{"hour": 8, "minute": 34}
